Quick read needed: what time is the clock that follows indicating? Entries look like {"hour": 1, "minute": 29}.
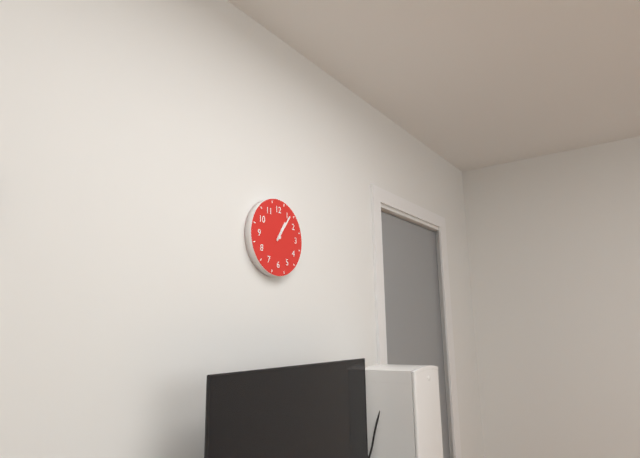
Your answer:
{"hour": 1, "minute": 6}
